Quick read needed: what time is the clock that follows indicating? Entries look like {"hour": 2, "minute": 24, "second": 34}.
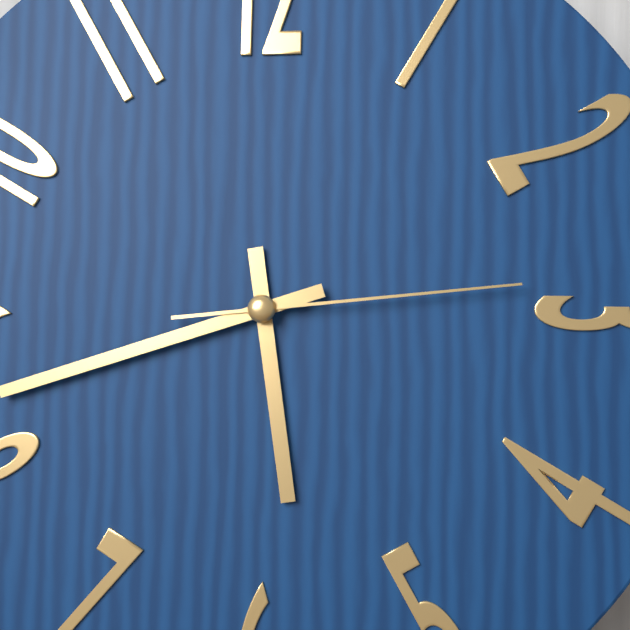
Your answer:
{"hour": 5, "minute": 42, "second": 14}
